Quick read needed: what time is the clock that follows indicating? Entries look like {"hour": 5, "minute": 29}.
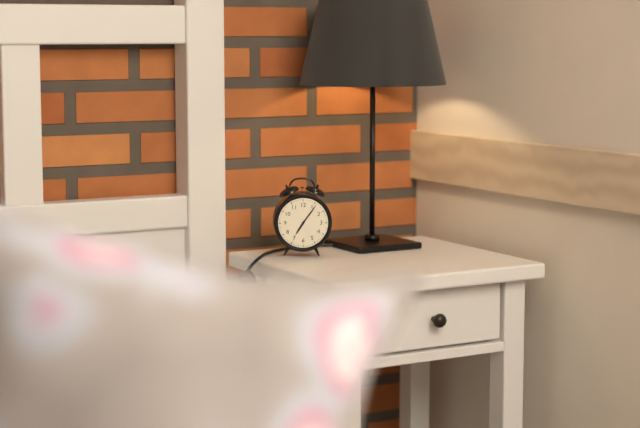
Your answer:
{"hour": 7, "minute": 6}
